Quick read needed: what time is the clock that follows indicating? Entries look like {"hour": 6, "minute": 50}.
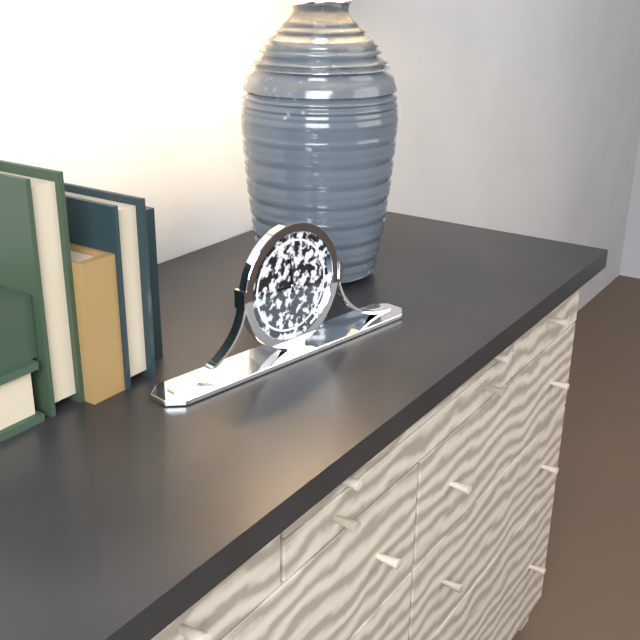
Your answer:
{"hour": 8, "minute": 59}
